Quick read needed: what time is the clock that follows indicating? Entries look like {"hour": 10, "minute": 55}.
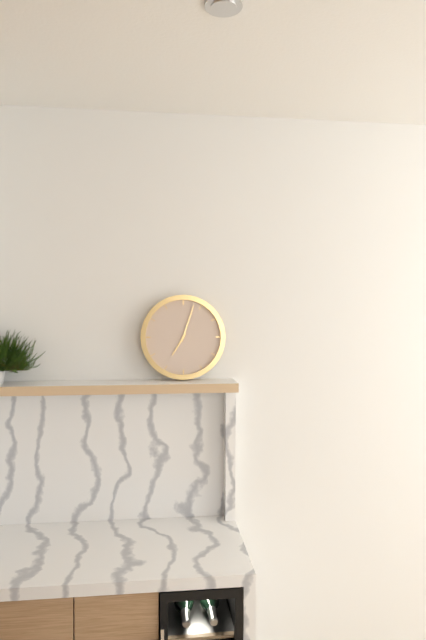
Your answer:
{"hour": 7, "minute": 3}
